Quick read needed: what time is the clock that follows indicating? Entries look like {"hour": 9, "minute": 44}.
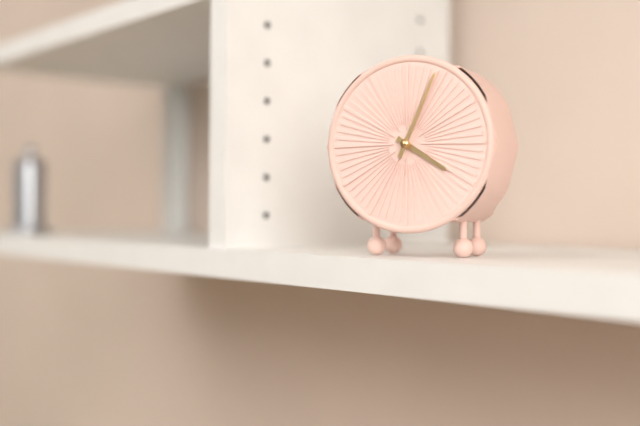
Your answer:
{"hour": 4, "minute": 4}
